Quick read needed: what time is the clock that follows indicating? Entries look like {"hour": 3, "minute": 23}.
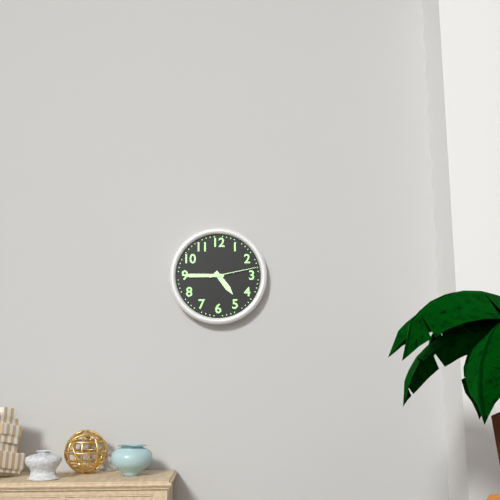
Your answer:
{"hour": 4, "minute": 45}
